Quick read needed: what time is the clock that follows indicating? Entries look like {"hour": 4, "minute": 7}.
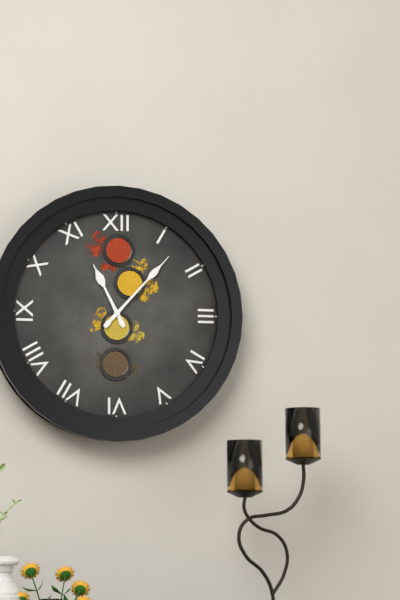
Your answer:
{"hour": 11, "minute": 7}
